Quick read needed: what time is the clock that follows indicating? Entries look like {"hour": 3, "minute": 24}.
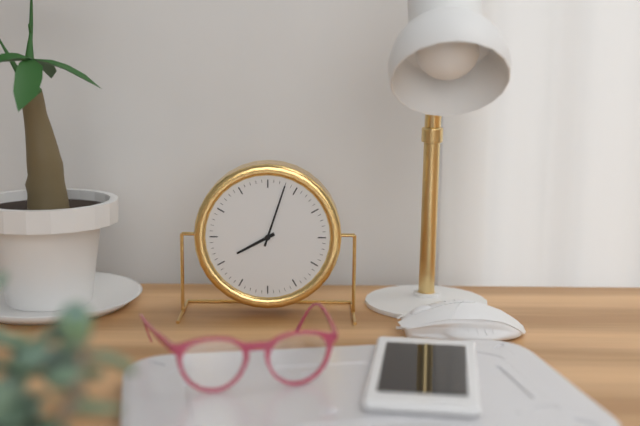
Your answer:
{"hour": 8, "minute": 3}
